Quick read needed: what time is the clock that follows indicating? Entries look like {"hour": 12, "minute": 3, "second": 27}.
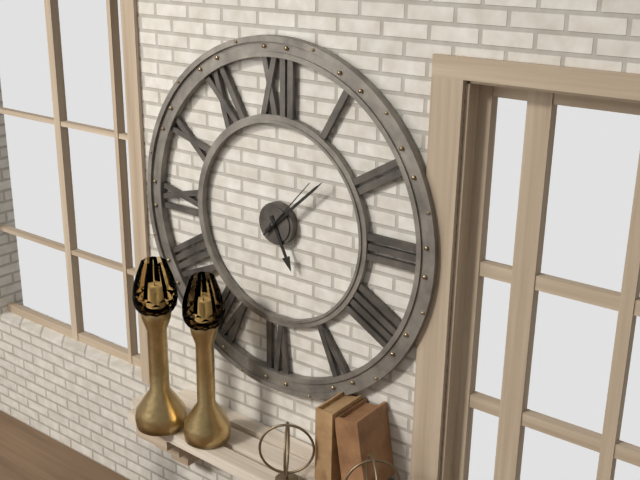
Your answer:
{"hour": 5, "minute": 8, "second": 7}
